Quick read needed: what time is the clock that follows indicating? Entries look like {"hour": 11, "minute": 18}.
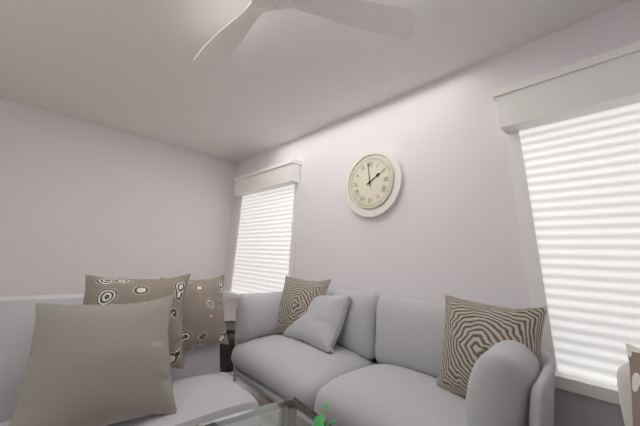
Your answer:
{"hour": 1, "minute": 59}
